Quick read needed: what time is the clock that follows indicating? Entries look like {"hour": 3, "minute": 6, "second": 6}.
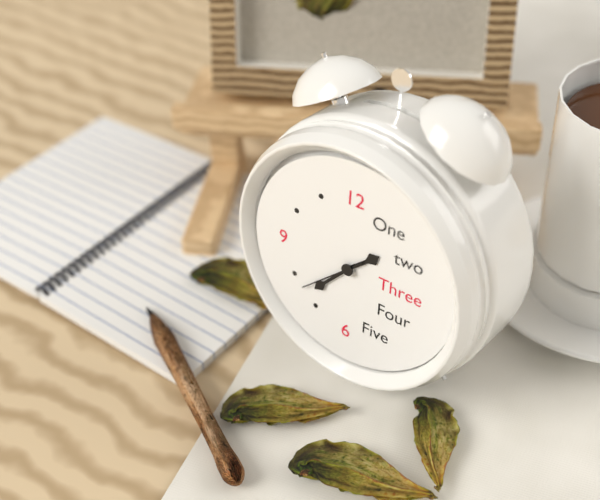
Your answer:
{"hour": 1, "minute": 37, "second": 38}
